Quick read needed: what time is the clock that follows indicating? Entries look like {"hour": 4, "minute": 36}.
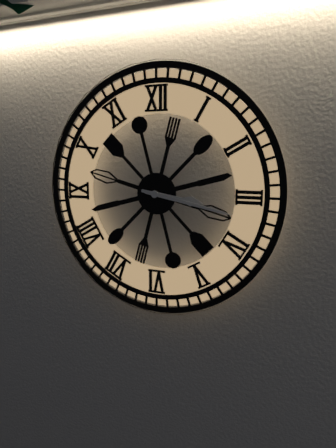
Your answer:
{"hour": 3, "minute": 17}
